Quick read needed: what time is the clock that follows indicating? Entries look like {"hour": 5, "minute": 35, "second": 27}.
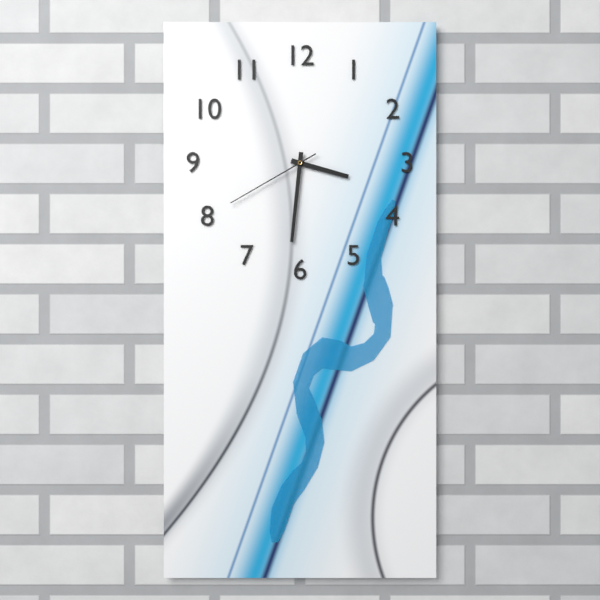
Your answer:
{"hour": 3, "minute": 31, "second": 40}
